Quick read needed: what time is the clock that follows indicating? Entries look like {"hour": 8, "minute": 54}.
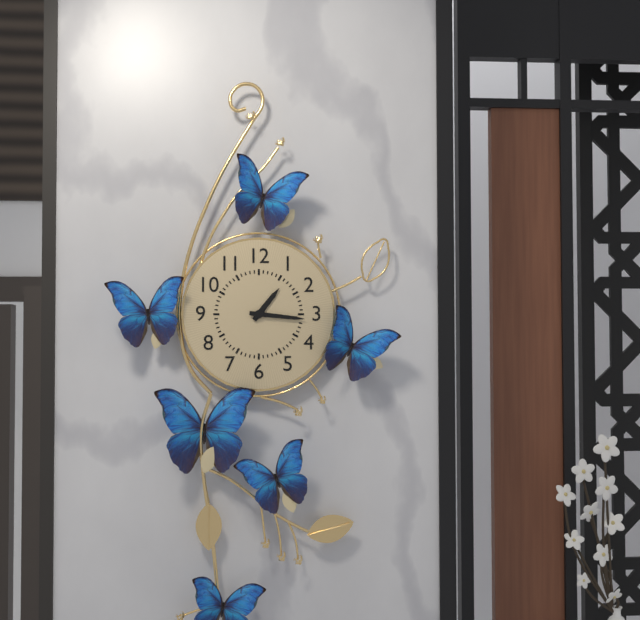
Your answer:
{"hour": 1, "minute": 16}
